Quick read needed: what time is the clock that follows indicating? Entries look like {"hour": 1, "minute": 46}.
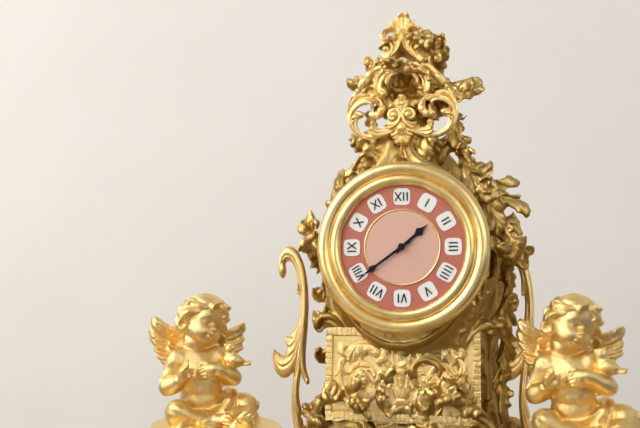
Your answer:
{"hour": 1, "minute": 39}
